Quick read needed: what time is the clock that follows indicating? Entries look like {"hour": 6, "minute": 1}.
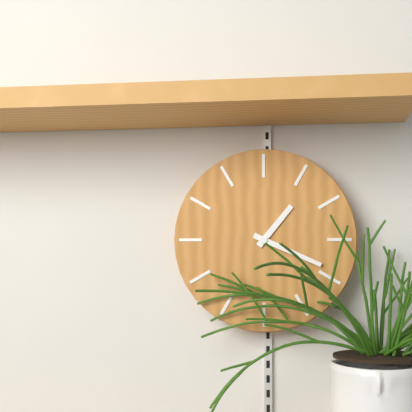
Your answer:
{"hour": 1, "minute": 19}
